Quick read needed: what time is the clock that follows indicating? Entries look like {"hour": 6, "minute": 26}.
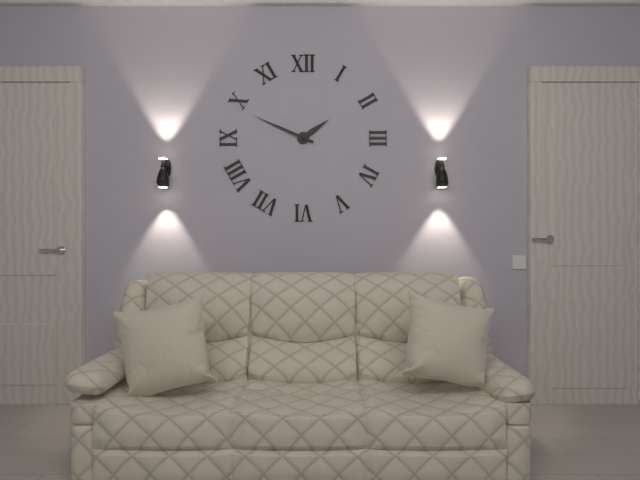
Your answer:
{"hour": 1, "minute": 49}
